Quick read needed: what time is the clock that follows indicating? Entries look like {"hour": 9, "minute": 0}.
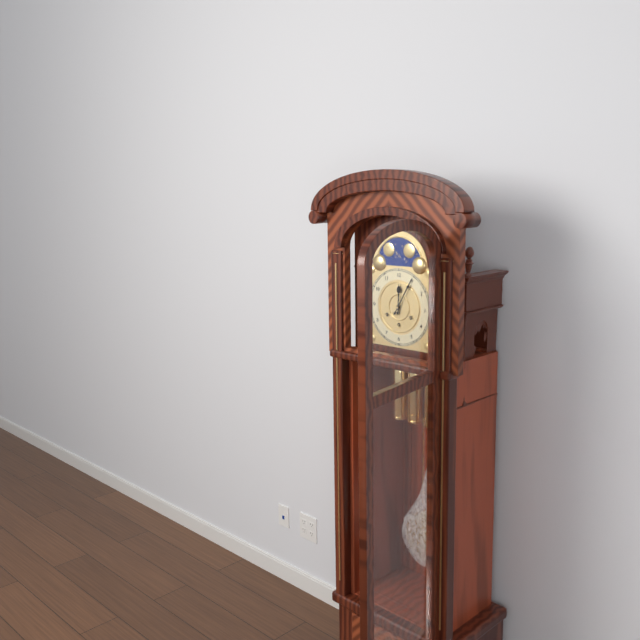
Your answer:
{"hour": 12, "minute": 5}
